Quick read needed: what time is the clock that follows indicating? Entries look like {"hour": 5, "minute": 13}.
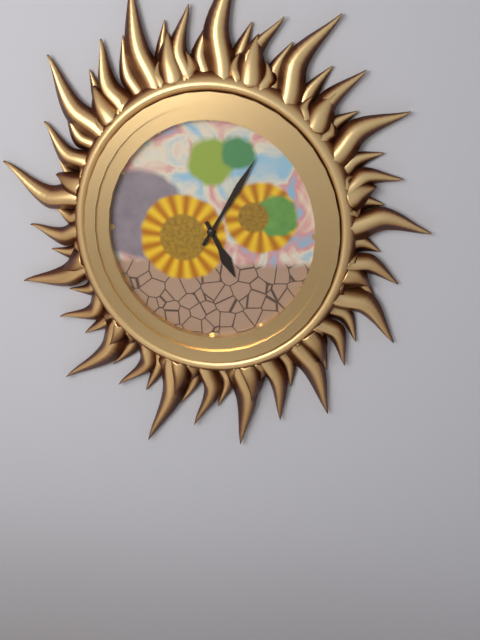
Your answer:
{"hour": 5, "minute": 5}
